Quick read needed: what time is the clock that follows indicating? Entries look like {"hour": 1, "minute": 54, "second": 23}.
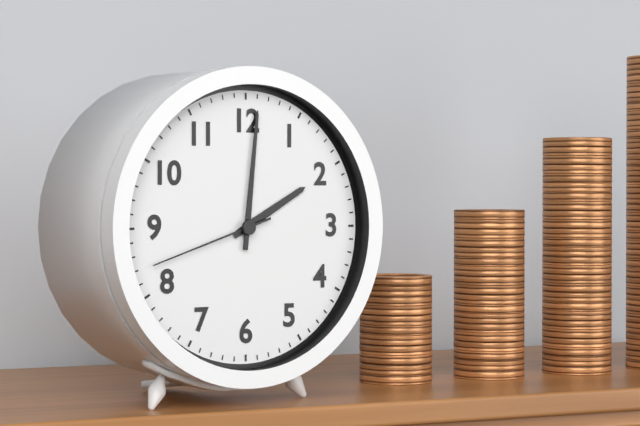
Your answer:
{"hour": 2, "minute": 1, "second": 42}
